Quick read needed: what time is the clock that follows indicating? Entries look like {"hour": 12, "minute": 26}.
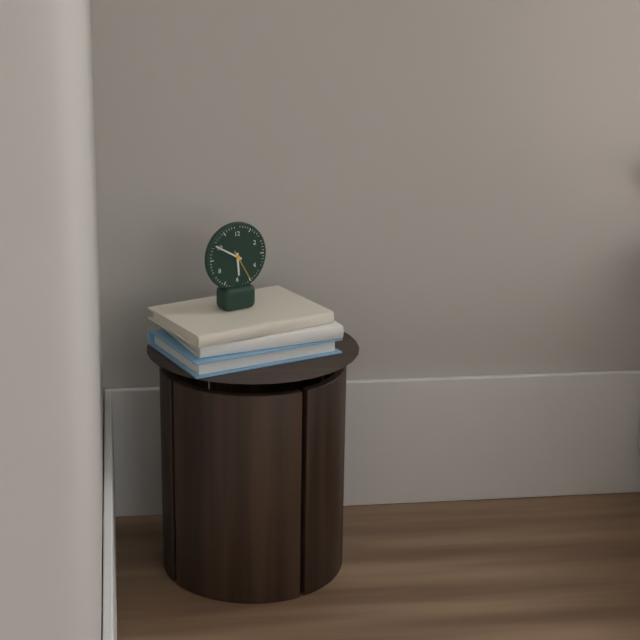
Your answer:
{"hour": 5, "minute": 50}
